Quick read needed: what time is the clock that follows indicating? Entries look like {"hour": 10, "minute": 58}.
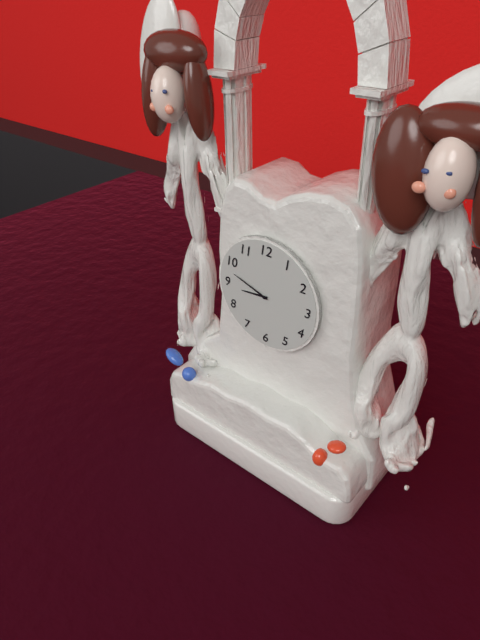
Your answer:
{"hour": 8, "minute": 48}
